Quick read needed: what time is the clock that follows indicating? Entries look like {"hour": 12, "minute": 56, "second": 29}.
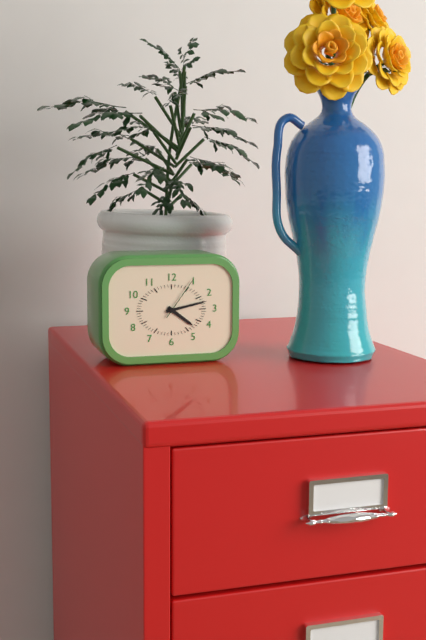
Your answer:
{"hour": 4, "minute": 13, "second": 6}
